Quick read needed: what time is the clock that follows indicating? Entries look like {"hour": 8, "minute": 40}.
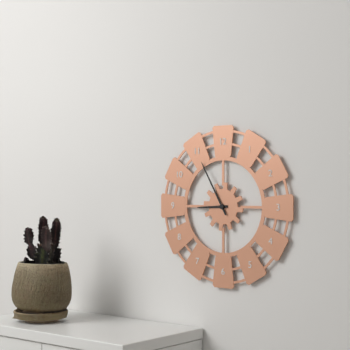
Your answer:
{"hour": 8, "minute": 55}
